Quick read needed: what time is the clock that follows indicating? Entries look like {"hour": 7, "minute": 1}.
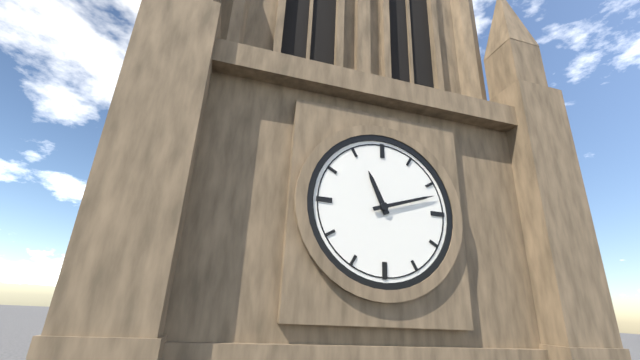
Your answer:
{"hour": 11, "minute": 12}
